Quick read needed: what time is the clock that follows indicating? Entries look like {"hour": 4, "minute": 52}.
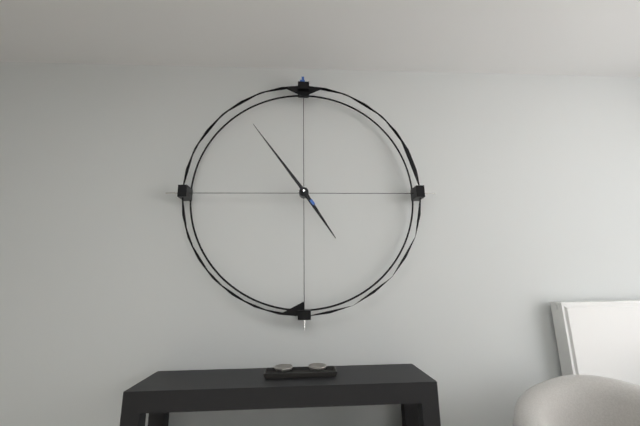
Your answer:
{"hour": 4, "minute": 54}
